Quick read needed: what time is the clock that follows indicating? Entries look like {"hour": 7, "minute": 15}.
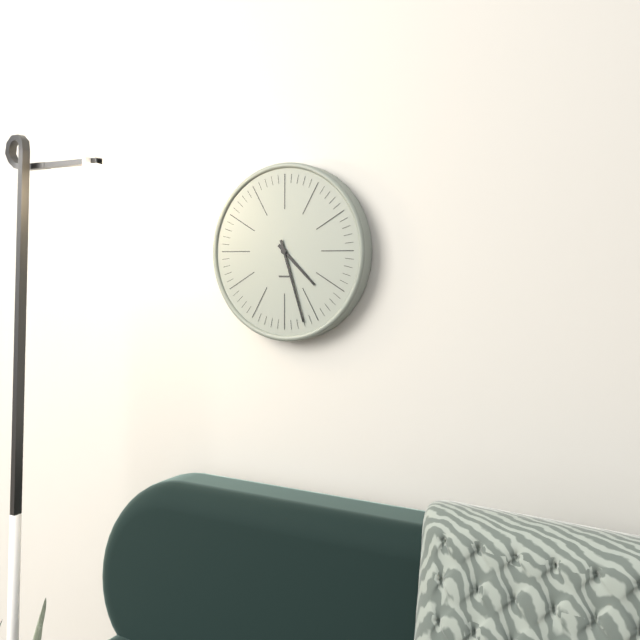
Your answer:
{"hour": 4, "minute": 27}
